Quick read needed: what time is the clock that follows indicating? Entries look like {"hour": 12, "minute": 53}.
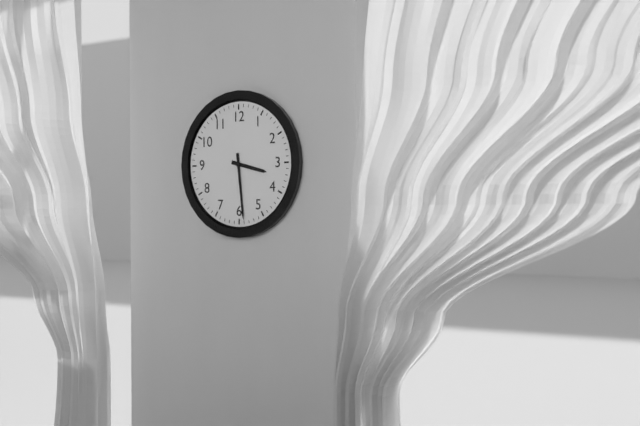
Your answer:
{"hour": 3, "minute": 29}
